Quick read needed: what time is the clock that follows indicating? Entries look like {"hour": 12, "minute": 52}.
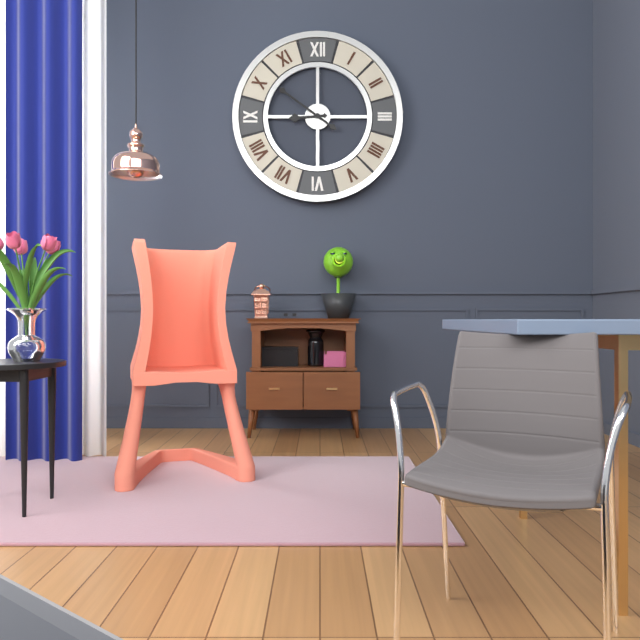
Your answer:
{"hour": 8, "minute": 51}
